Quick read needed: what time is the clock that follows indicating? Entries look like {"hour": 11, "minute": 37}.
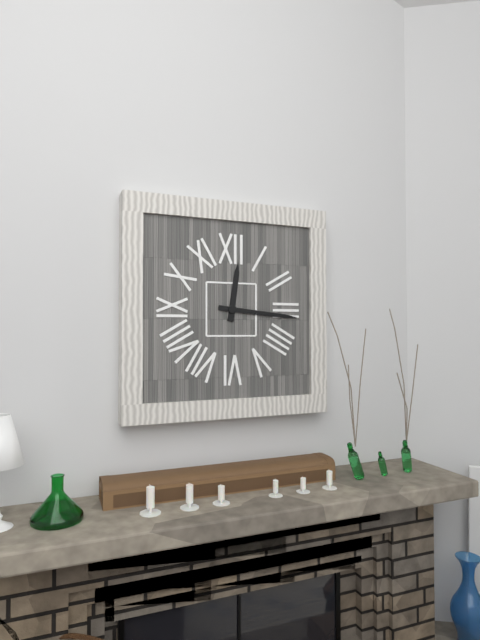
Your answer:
{"hour": 12, "minute": 16}
